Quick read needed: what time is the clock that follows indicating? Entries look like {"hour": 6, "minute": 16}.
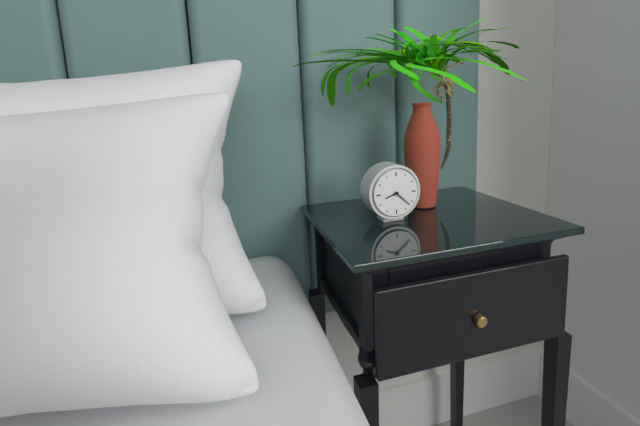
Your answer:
{"hour": 8, "minute": 22}
